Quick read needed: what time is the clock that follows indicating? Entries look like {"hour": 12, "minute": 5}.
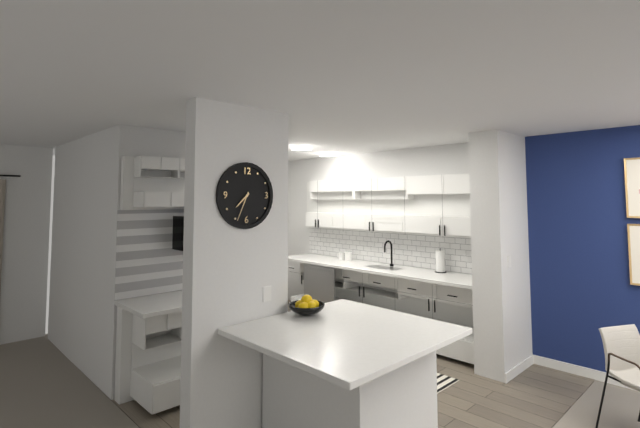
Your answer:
{"hour": 7, "minute": 34}
